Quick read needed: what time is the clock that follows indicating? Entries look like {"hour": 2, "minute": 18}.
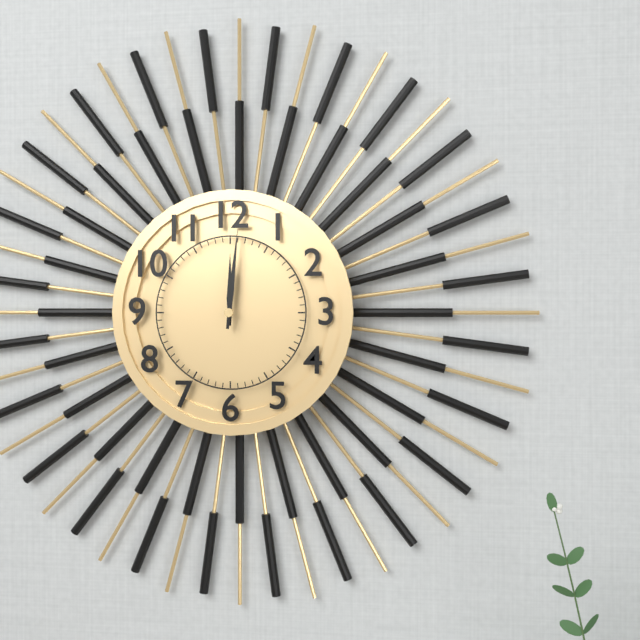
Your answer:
{"hour": 12, "minute": 1}
